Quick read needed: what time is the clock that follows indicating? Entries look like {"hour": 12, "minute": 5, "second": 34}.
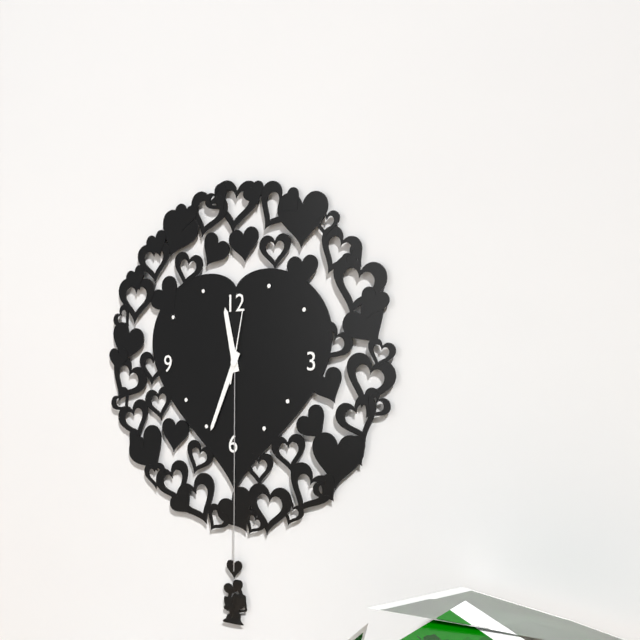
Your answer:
{"hour": 11, "minute": 34, "second": 2}
